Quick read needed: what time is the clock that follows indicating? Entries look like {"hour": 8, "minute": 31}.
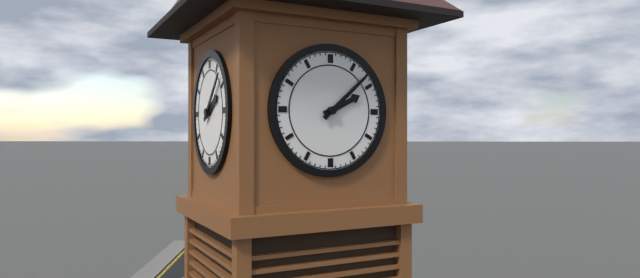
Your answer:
{"hour": 2, "minute": 8}
